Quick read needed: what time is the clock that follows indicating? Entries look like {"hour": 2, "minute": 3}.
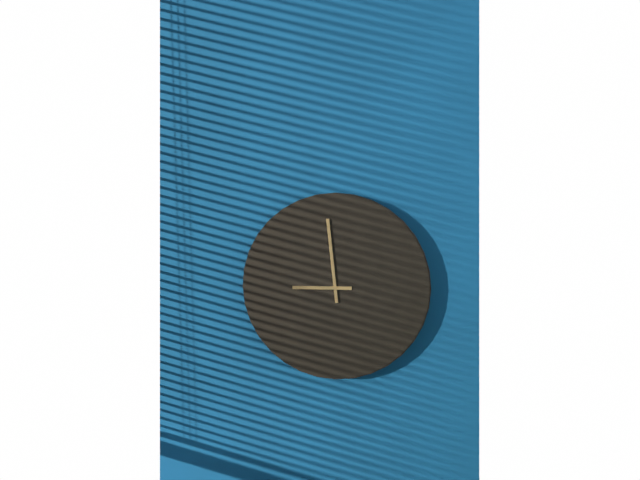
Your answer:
{"hour": 8, "minute": 59}
